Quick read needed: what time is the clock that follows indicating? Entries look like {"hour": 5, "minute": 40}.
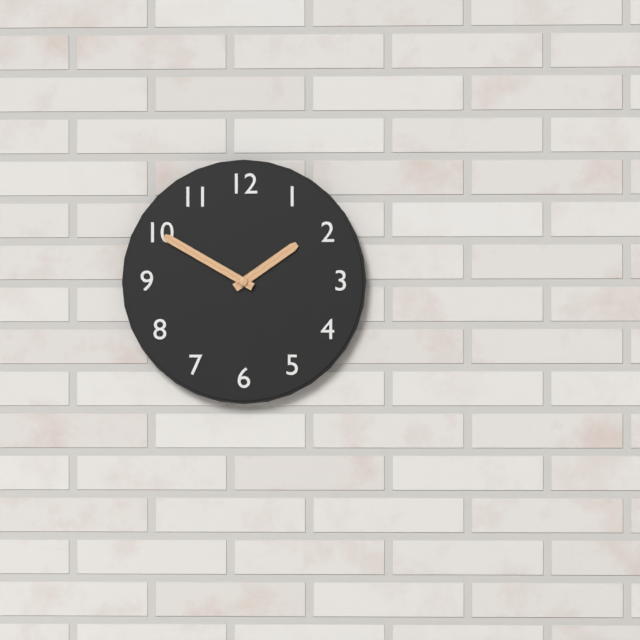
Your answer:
{"hour": 1, "minute": 50}
